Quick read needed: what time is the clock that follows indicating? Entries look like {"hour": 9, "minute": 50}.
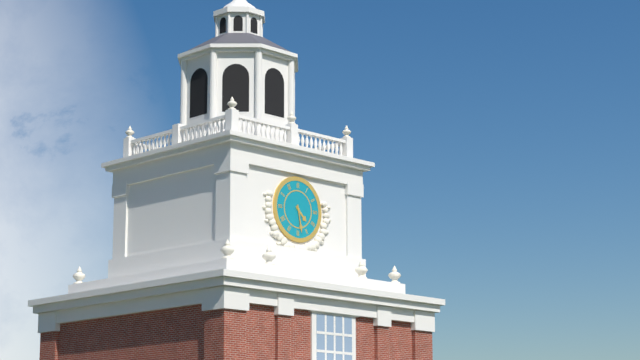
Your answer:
{"hour": 4, "minute": 28}
